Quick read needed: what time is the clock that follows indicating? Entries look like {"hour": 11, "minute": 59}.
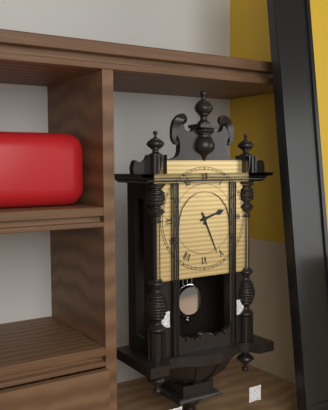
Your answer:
{"hour": 2, "minute": 26}
